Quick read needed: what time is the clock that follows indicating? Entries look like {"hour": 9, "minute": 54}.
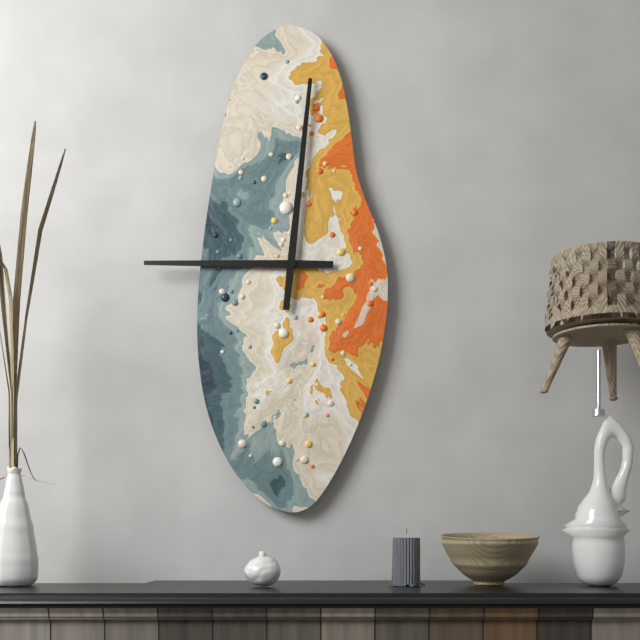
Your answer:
{"hour": 9, "minute": 1}
